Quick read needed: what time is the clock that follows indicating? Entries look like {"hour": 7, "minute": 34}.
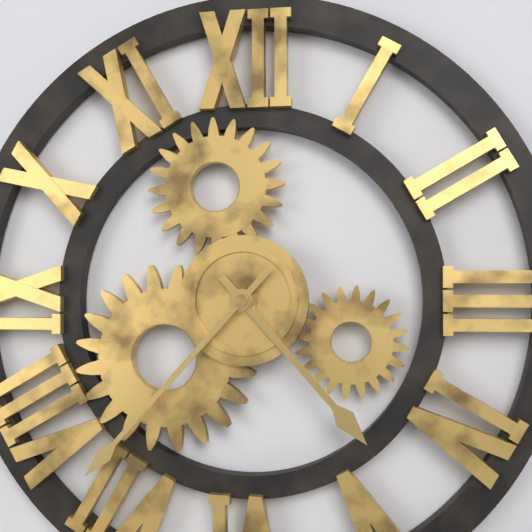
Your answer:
{"hour": 4, "minute": 37}
